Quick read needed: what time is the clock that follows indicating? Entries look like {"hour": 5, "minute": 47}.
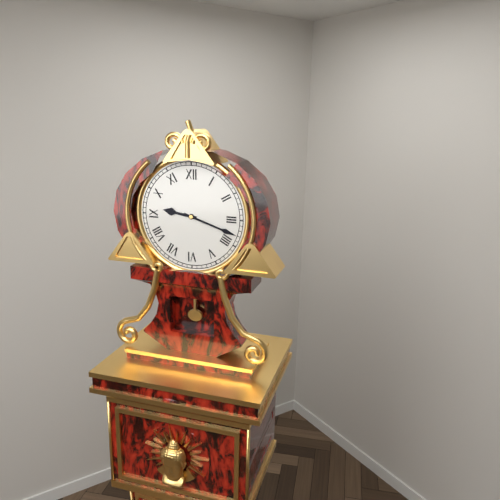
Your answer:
{"hour": 9, "minute": 18}
